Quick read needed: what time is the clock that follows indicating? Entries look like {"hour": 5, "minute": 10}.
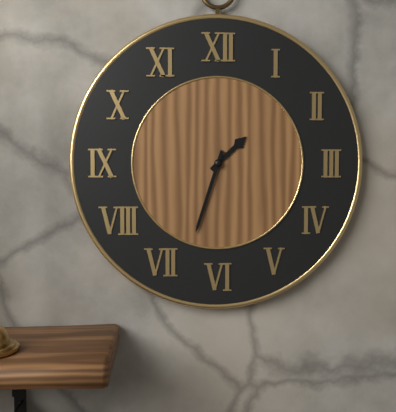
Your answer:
{"hour": 1, "minute": 33}
